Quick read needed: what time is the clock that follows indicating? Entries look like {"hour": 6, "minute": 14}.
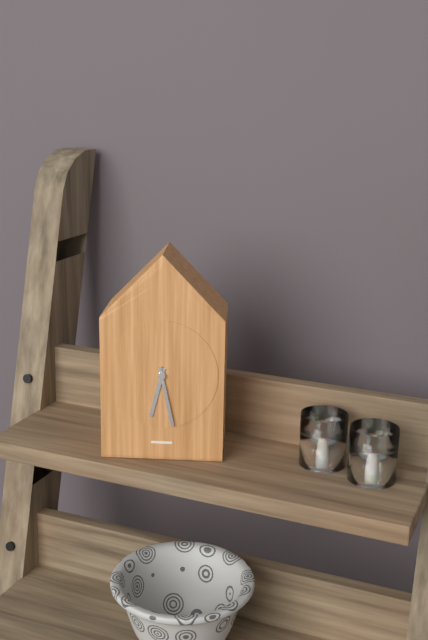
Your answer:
{"hour": 6, "minute": 28}
